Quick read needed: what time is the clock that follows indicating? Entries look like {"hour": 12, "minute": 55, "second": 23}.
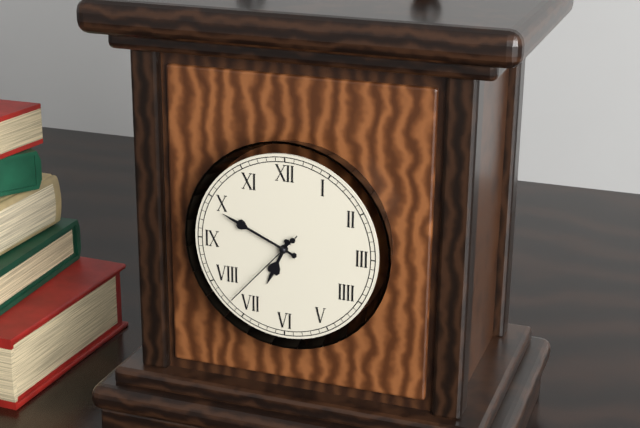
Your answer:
{"hour": 6, "minute": 49, "second": 37}
